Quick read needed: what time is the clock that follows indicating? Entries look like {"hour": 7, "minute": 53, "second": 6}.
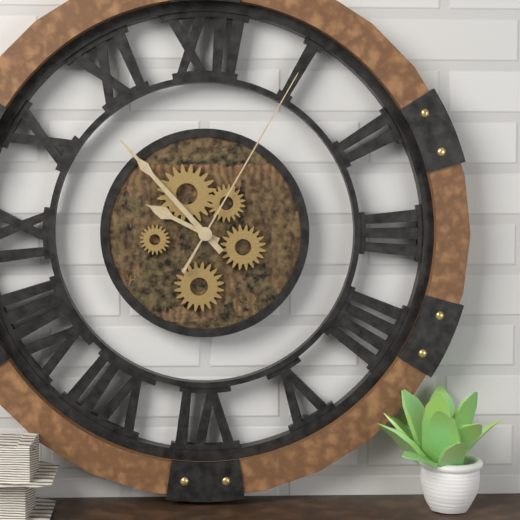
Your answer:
{"hour": 9, "minute": 53, "second": 5}
